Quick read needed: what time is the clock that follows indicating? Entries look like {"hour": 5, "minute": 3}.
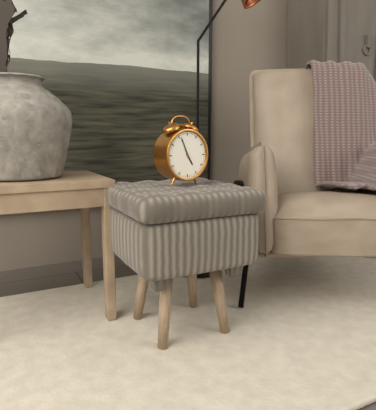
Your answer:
{"hour": 4, "minute": 56}
